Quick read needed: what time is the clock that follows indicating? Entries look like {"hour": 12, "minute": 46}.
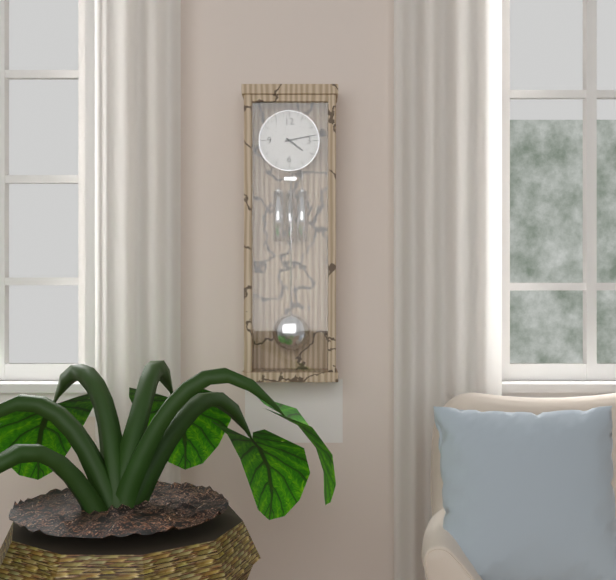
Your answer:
{"hour": 4, "minute": 13}
